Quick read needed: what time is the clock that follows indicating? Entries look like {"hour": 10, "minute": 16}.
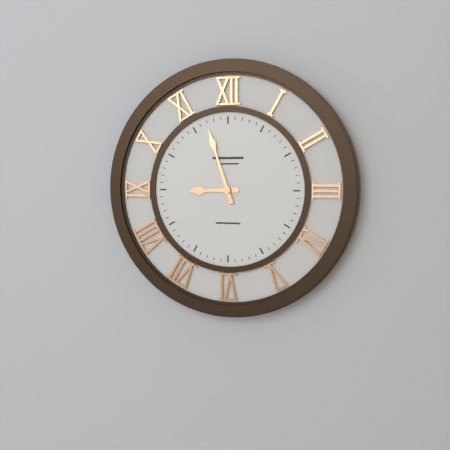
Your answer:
{"hour": 8, "minute": 57}
